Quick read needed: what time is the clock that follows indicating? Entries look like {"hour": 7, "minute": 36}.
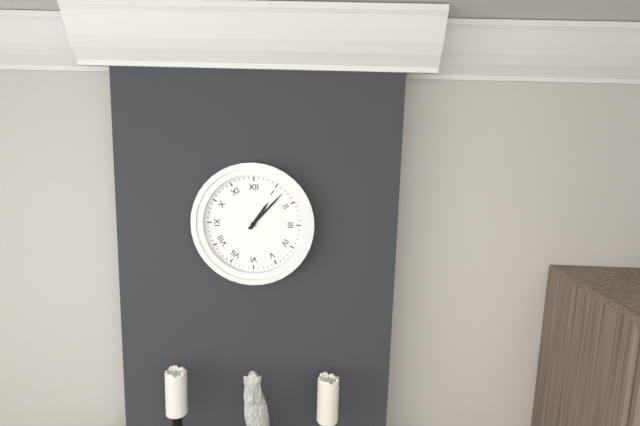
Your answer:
{"hour": 1, "minute": 7}
